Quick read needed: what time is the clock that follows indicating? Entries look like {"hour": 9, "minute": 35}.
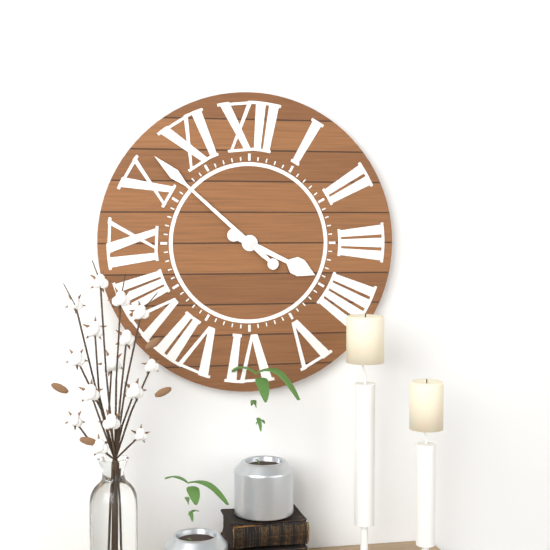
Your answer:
{"hour": 3, "minute": 52}
